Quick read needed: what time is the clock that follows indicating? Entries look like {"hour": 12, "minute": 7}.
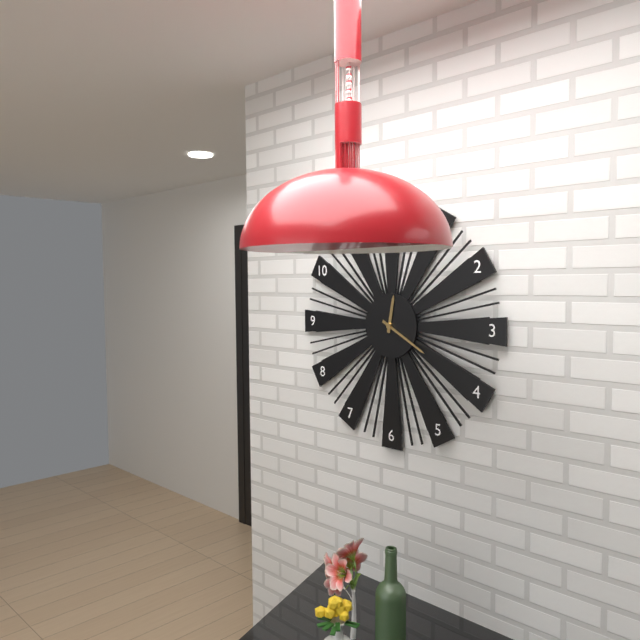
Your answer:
{"hour": 12, "minute": 20}
